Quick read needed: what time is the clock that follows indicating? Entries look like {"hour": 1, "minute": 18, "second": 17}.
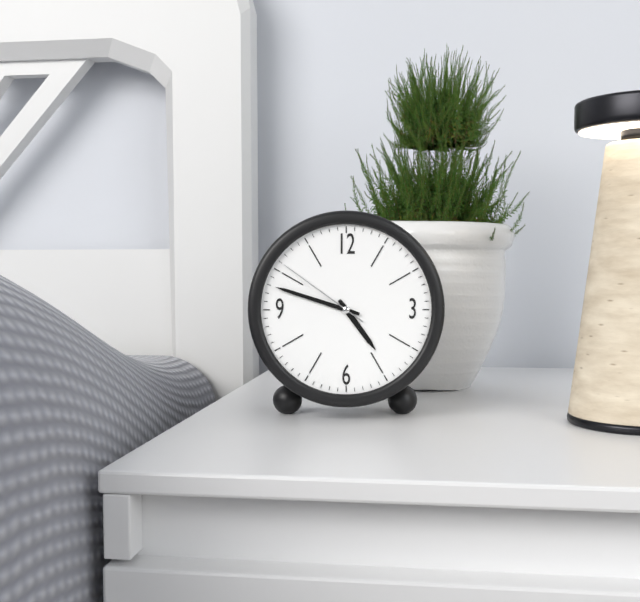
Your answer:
{"hour": 4, "minute": 48, "second": 51}
